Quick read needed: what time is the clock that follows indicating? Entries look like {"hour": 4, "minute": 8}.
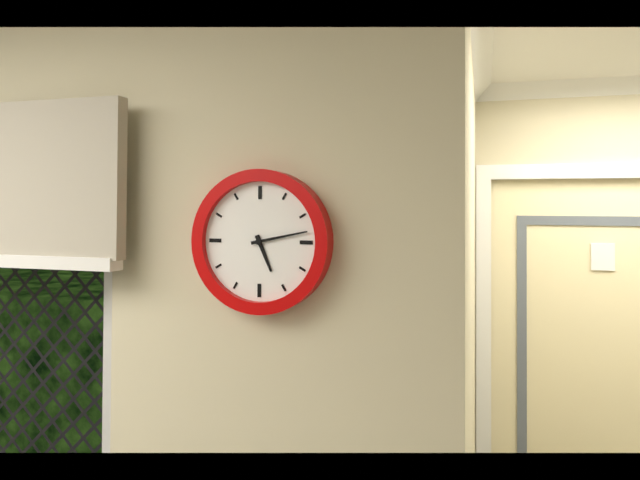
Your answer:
{"hour": 5, "minute": 13}
